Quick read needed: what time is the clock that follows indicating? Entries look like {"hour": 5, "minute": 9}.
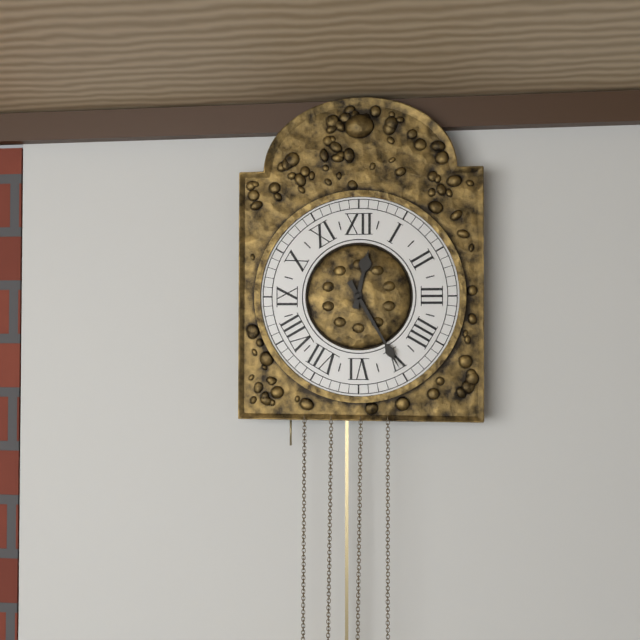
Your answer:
{"hour": 12, "minute": 25}
